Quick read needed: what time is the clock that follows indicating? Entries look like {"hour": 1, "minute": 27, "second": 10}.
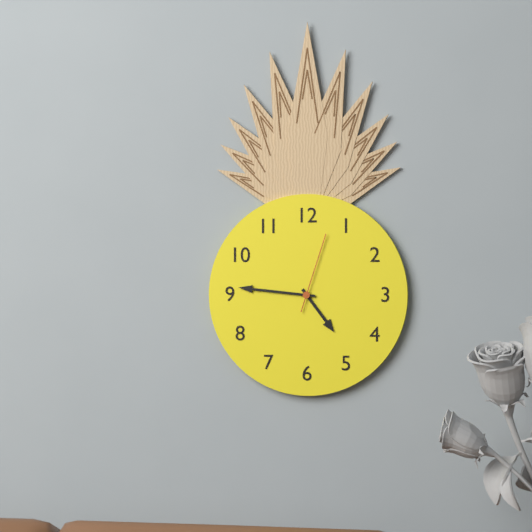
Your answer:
{"hour": 4, "minute": 46, "second": 3}
